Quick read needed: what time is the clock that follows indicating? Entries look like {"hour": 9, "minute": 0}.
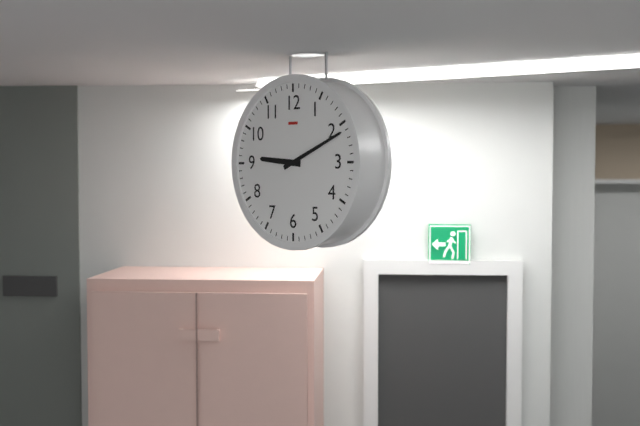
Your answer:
{"hour": 9, "minute": 11}
